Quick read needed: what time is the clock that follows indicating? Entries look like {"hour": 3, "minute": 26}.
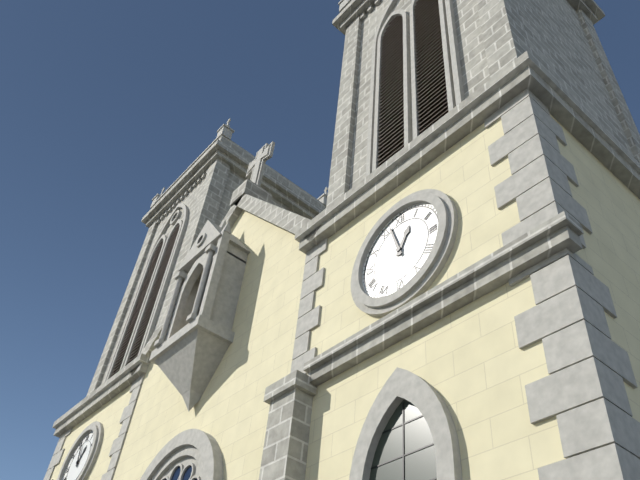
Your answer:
{"hour": 12, "minute": 57}
